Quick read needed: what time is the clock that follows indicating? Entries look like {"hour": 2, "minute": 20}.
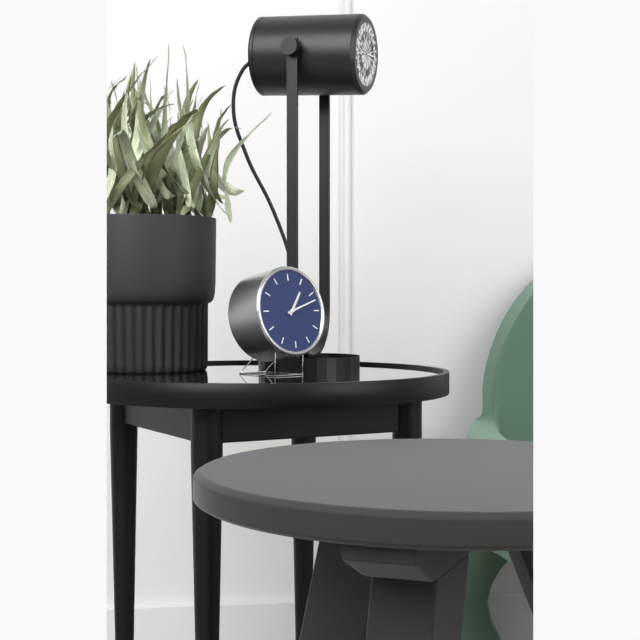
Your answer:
{"hour": 1, "minute": 12}
